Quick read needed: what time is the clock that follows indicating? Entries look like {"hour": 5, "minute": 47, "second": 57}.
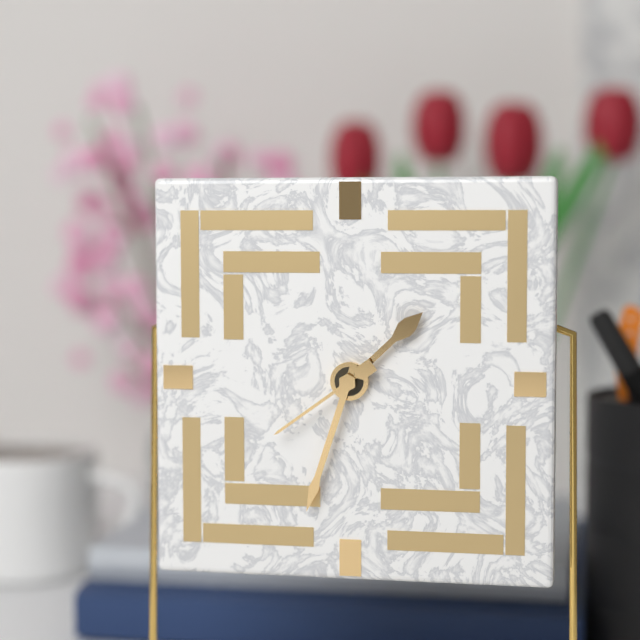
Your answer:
{"hour": 1, "minute": 33, "second": 39}
